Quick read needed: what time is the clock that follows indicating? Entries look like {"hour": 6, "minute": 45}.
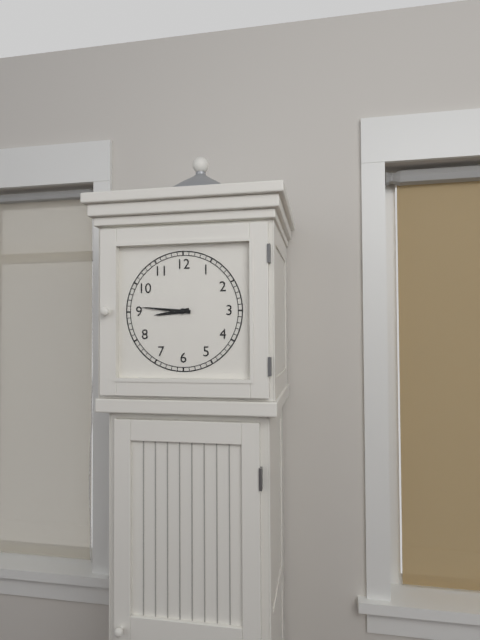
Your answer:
{"hour": 8, "minute": 46}
